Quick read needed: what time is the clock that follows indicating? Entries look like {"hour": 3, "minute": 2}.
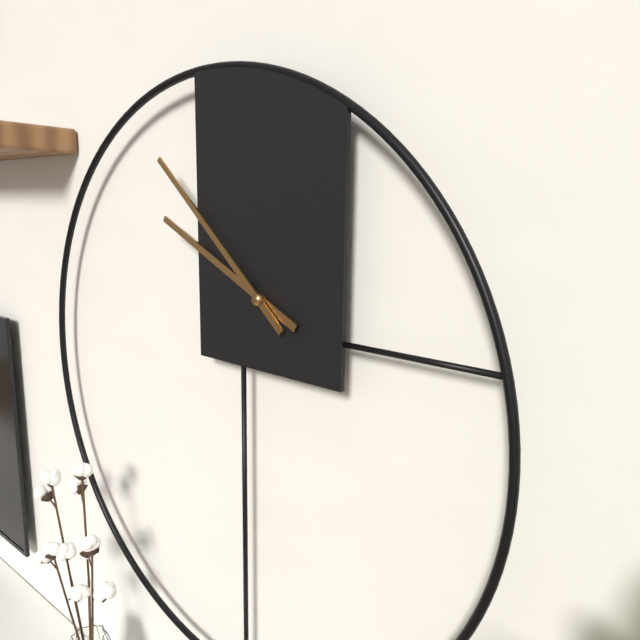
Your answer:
{"hour": 9, "minute": 52}
